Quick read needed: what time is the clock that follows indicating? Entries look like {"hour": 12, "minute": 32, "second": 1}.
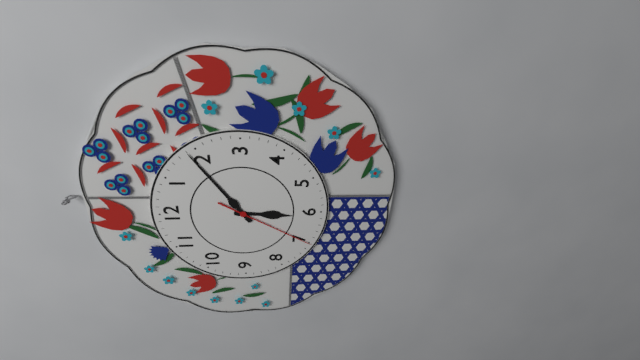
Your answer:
{"hour": 6, "minute": 9, "second": 35}
